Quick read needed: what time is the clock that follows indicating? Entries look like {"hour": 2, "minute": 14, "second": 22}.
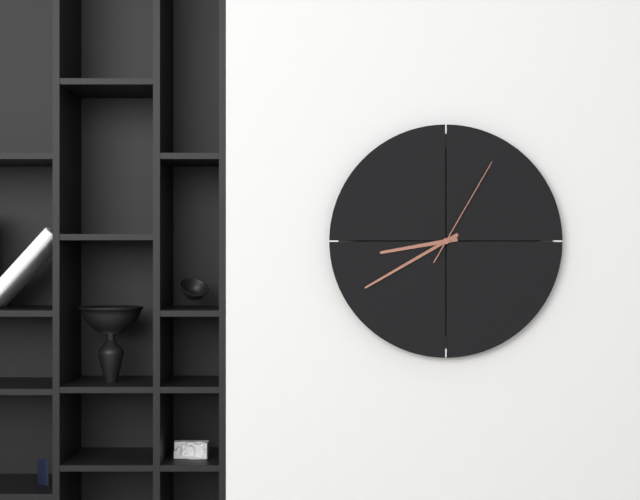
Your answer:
{"hour": 8, "minute": 40, "second": 5}
